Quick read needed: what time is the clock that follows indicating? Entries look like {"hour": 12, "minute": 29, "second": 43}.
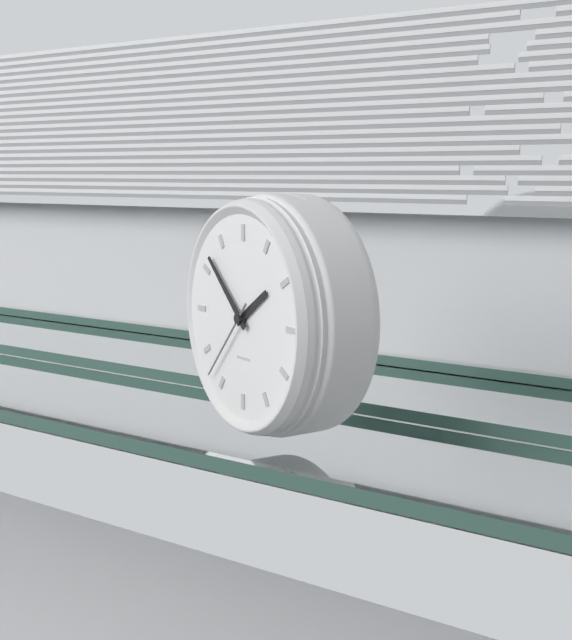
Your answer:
{"hour": 1, "minute": 52, "second": 37}
